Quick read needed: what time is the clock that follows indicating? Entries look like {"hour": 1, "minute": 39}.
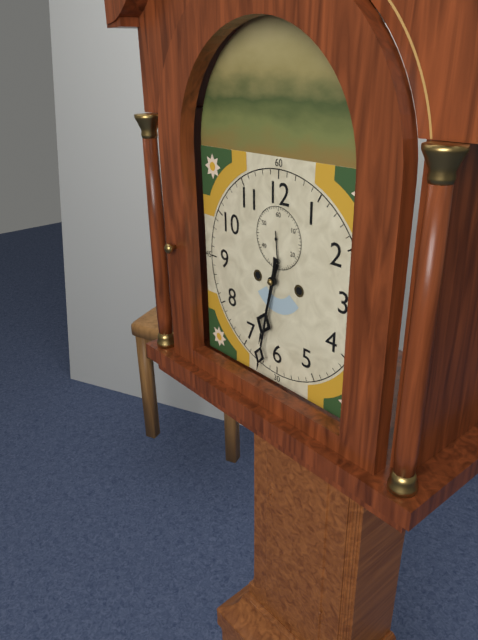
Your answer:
{"hour": 6, "minute": 32}
